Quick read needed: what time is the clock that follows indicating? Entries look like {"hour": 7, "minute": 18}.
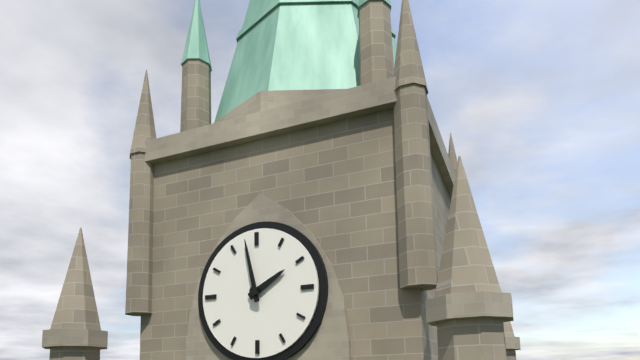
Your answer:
{"hour": 1, "minute": 58}
